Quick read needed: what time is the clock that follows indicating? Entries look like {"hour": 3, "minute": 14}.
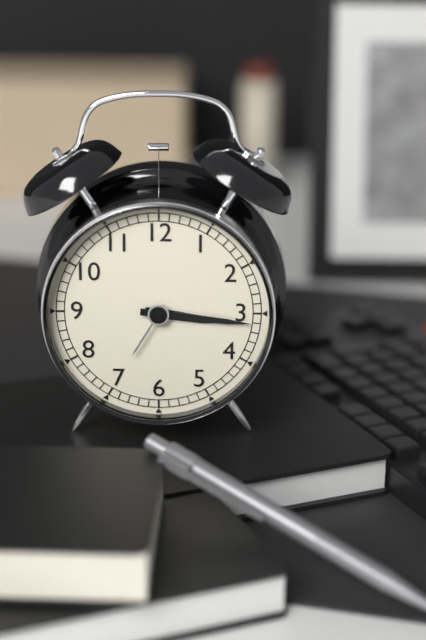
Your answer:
{"hour": 3, "minute": 16}
